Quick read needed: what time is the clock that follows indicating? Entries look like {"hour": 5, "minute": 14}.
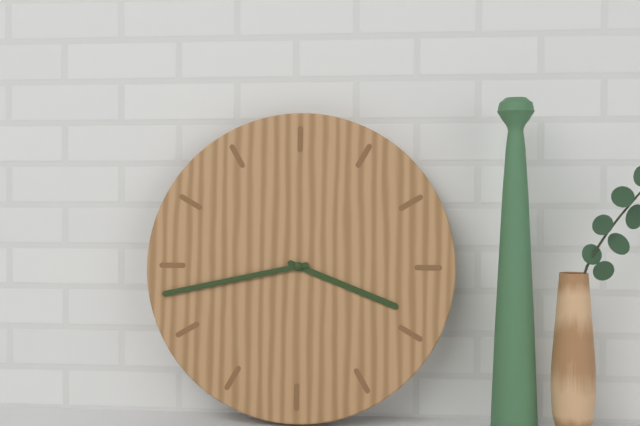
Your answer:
{"hour": 3, "minute": 43}
